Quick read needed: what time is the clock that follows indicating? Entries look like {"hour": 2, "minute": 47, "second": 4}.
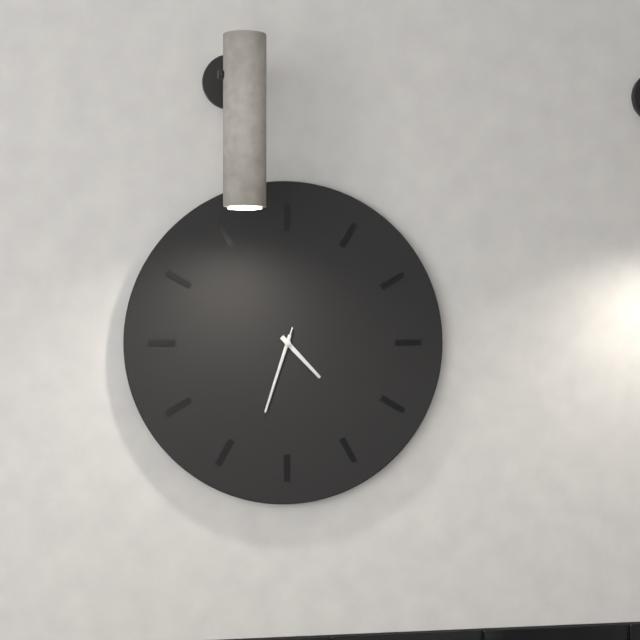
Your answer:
{"hour": 4, "minute": 33, "second": 33}
